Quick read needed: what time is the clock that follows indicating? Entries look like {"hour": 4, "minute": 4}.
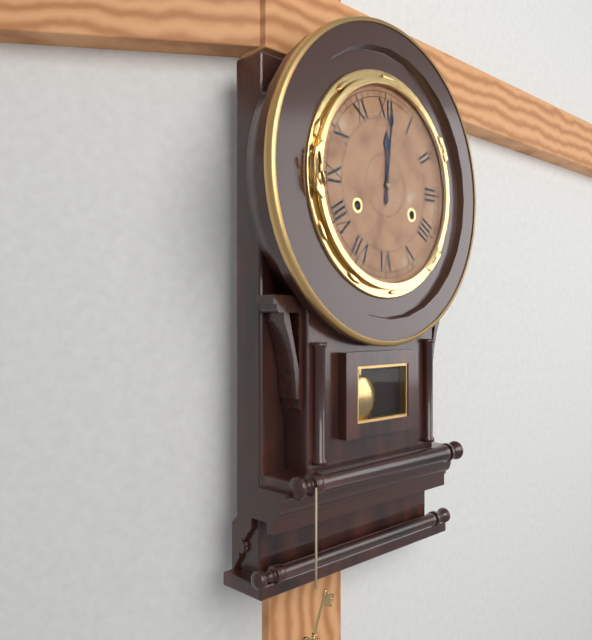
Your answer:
{"hour": 12, "minute": 1}
